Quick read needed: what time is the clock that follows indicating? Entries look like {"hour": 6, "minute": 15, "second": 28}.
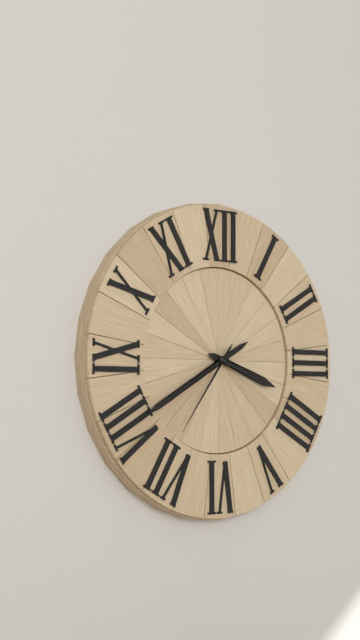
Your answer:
{"hour": 3, "minute": 40, "second": 36}
